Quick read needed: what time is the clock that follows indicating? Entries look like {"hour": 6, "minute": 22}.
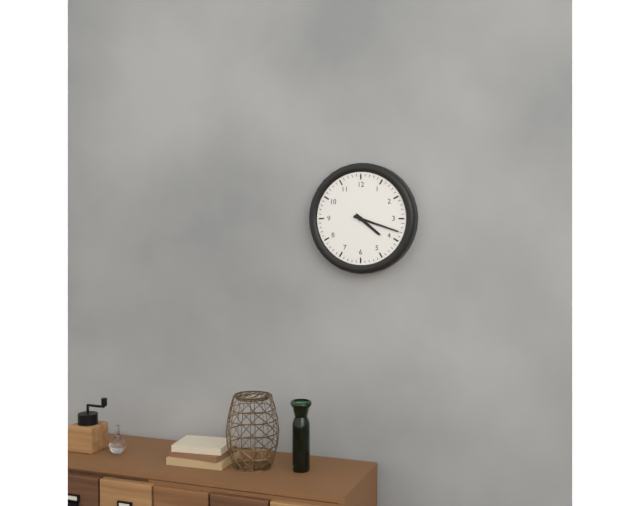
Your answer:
{"hour": 4, "minute": 18}
